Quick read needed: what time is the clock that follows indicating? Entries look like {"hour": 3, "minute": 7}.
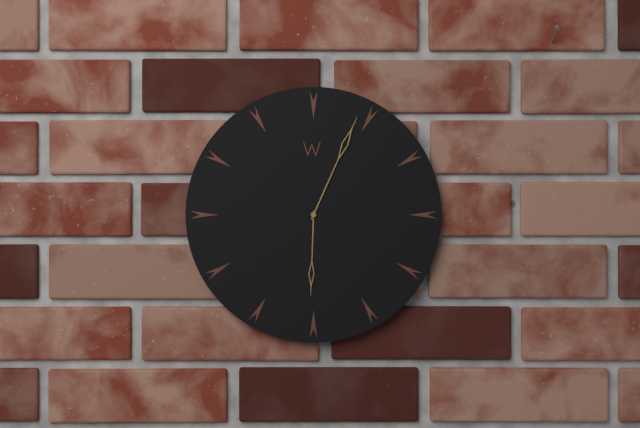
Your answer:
{"hour": 6, "minute": 4}
